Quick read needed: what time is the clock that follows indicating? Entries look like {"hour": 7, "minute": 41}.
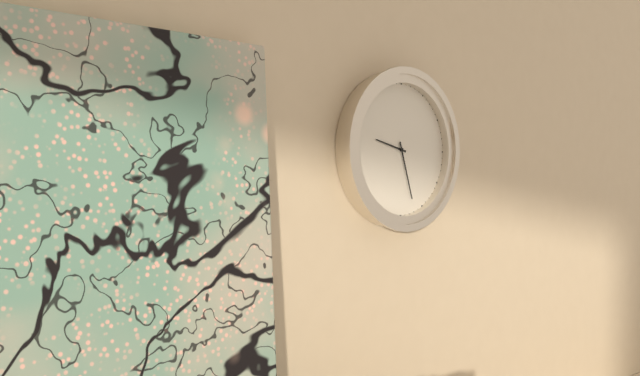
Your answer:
{"hour": 9, "minute": 27}
